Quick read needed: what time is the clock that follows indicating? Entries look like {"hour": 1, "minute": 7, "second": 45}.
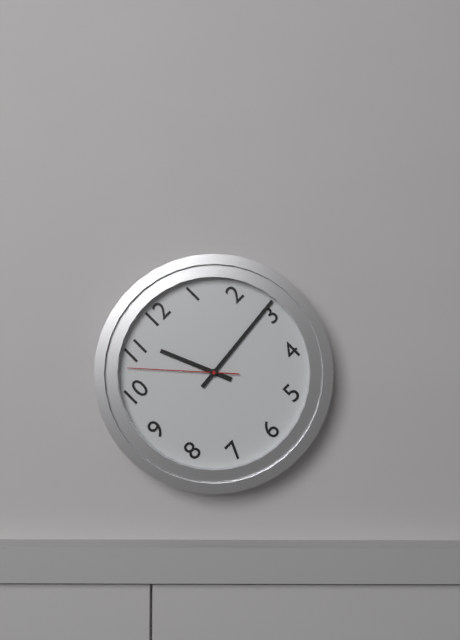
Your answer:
{"hour": 11, "minute": 14, "second": 53}
